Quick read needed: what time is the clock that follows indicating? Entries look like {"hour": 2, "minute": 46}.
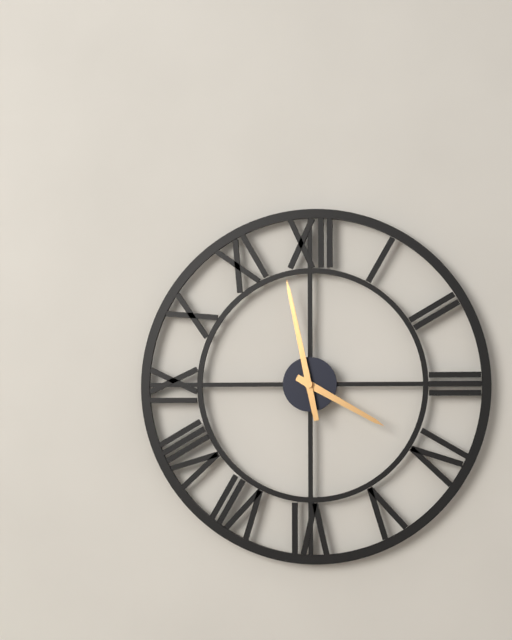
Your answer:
{"hour": 3, "minute": 58}
